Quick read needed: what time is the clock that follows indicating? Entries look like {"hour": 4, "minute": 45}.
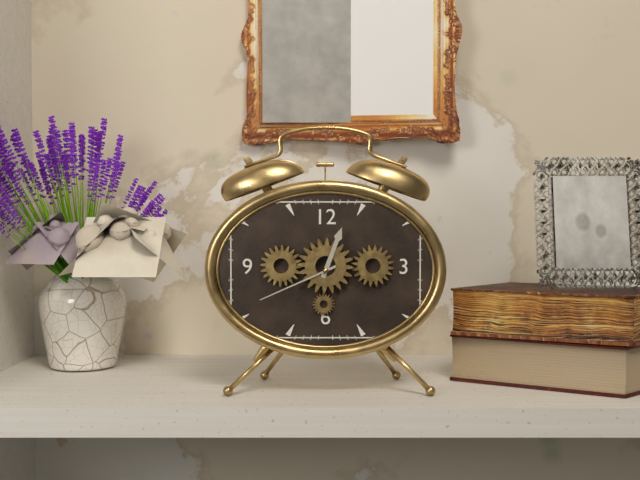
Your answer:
{"hour": 12, "minute": 41}
